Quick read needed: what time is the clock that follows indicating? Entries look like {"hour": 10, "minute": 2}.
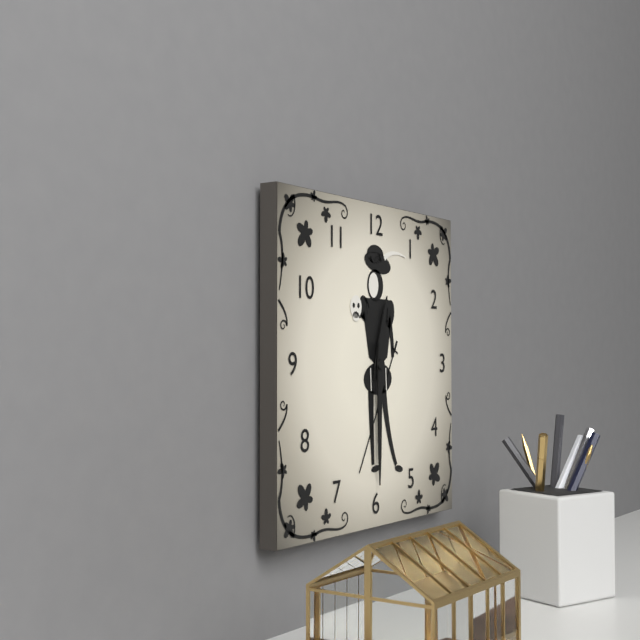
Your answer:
{"hour": 12, "minute": 30}
